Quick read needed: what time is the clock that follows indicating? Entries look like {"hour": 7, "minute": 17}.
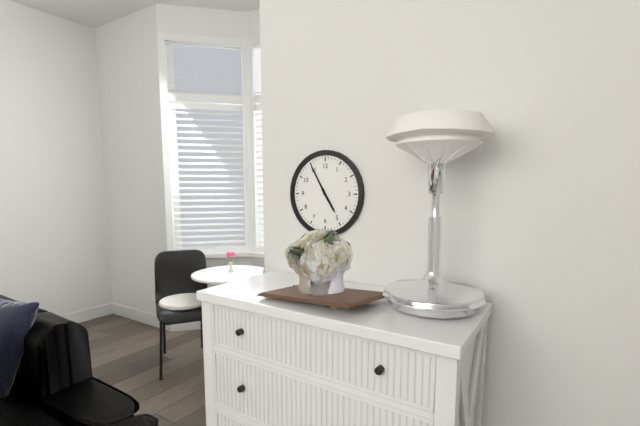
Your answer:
{"hour": 4, "minute": 55}
